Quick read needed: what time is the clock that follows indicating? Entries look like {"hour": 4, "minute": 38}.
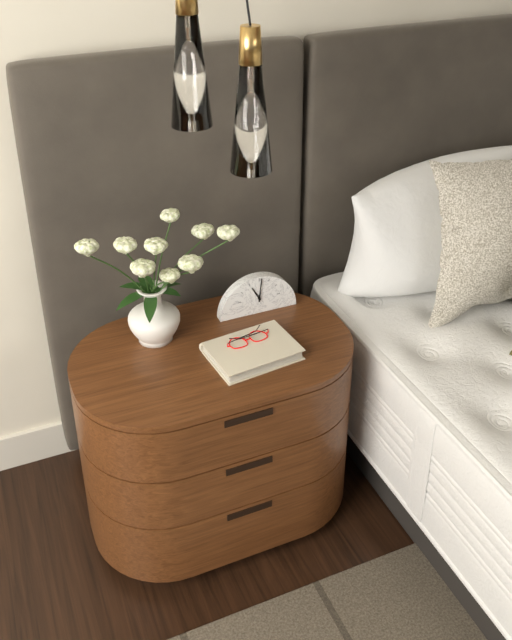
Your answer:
{"hour": 11, "minute": 1}
